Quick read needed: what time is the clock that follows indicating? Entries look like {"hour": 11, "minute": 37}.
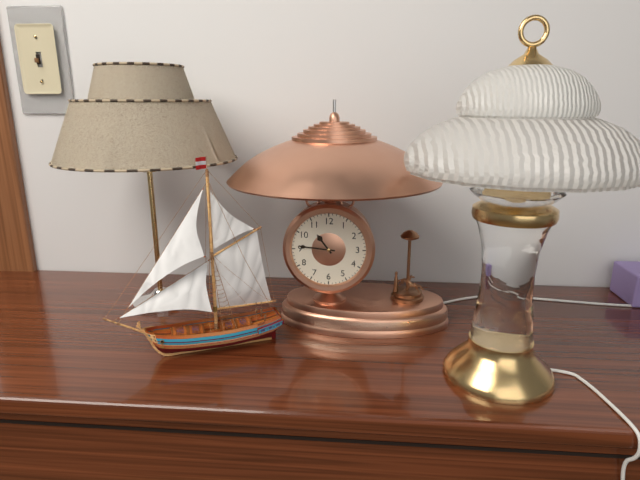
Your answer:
{"hour": 10, "minute": 46}
